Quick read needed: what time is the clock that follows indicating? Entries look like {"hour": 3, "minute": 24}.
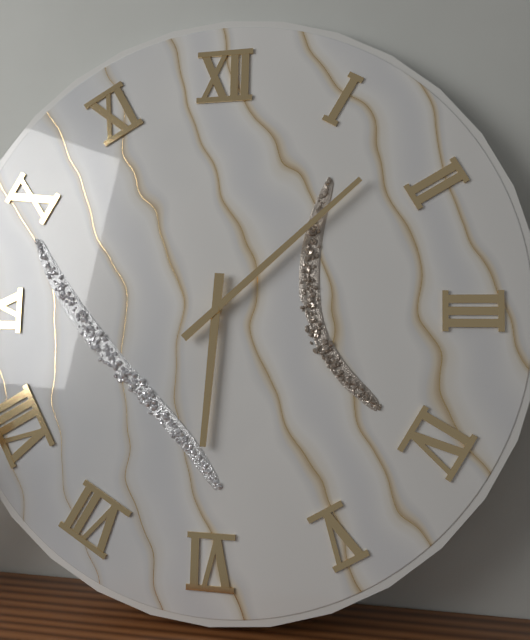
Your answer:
{"hour": 6, "minute": 8}
